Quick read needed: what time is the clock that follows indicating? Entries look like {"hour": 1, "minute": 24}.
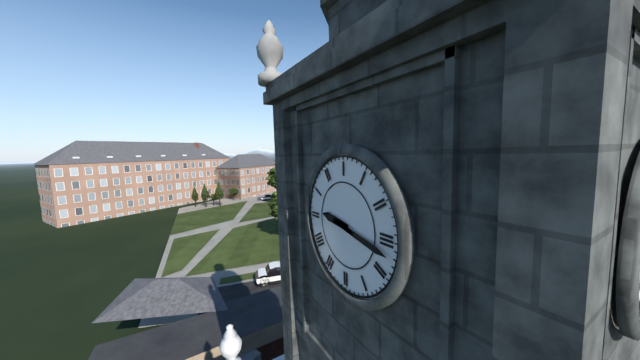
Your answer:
{"hour": 9, "minute": 17}
